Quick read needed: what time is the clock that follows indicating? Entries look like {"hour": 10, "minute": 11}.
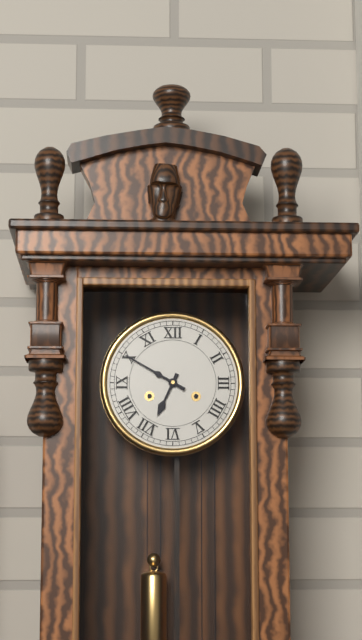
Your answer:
{"hour": 6, "minute": 50}
